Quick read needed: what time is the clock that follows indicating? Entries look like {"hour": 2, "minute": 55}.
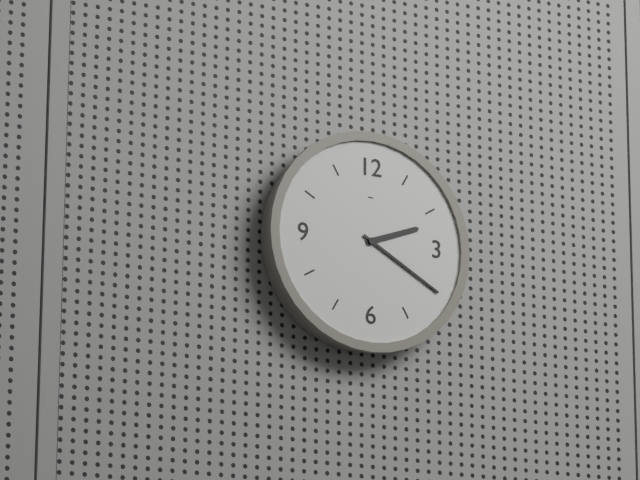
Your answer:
{"hour": 2, "minute": 20}
